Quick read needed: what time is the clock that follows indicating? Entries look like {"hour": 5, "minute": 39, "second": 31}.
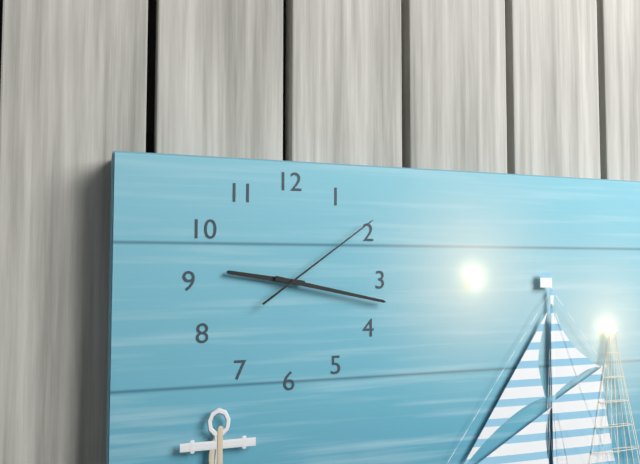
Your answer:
{"hour": 9, "minute": 17, "second": 9}
